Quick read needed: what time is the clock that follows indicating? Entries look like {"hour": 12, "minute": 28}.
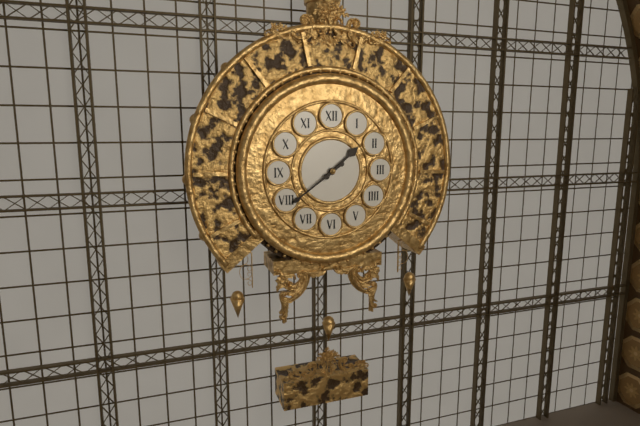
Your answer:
{"hour": 1, "minute": 39}
